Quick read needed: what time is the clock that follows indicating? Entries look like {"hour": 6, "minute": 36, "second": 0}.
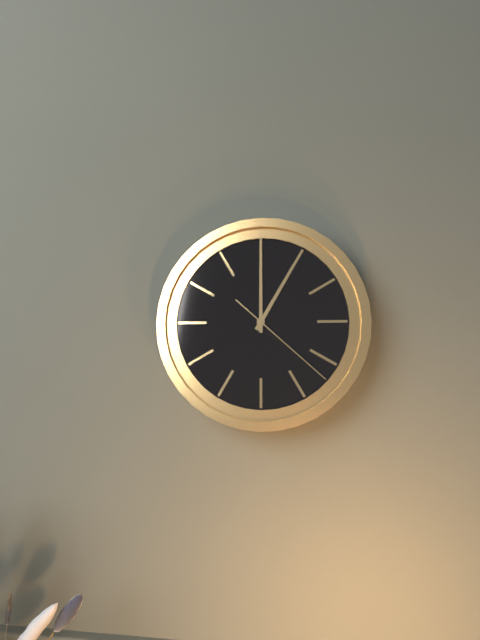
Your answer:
{"hour": 1, "minute": 0, "second": 22}
